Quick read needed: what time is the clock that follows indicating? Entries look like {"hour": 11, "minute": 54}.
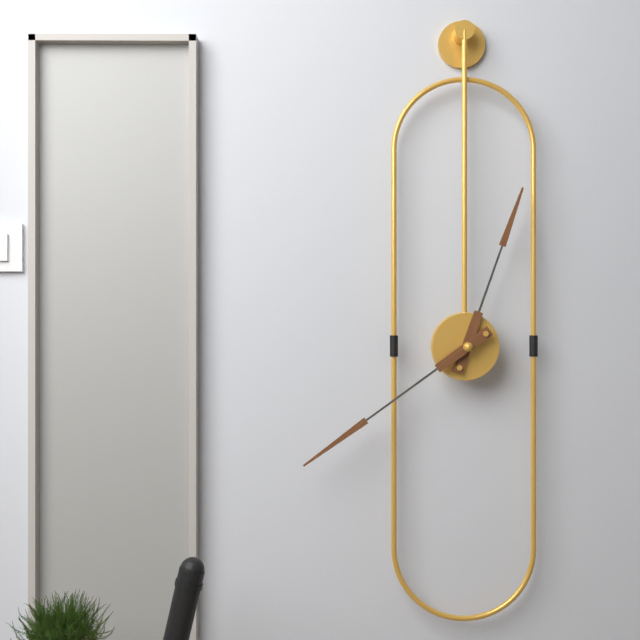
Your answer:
{"hour": 12, "minute": 39}
